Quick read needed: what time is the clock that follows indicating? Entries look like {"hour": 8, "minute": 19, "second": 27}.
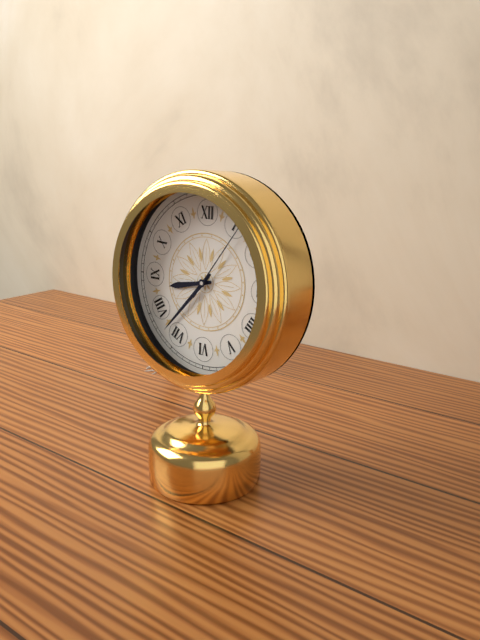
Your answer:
{"hour": 8, "minute": 37, "second": 6}
